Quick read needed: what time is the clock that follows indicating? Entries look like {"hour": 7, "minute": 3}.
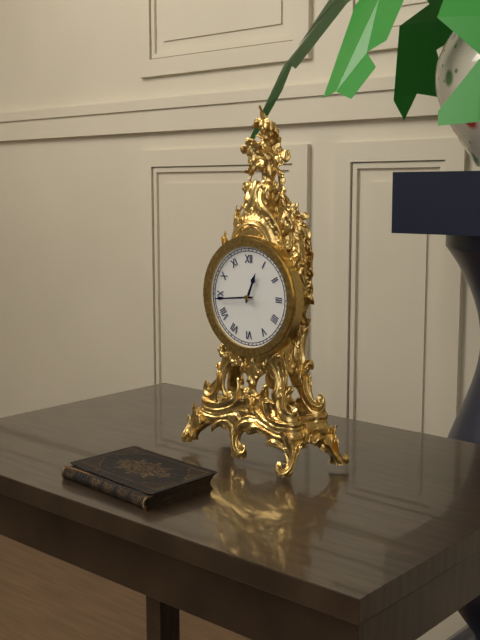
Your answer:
{"hour": 12, "minute": 44}
